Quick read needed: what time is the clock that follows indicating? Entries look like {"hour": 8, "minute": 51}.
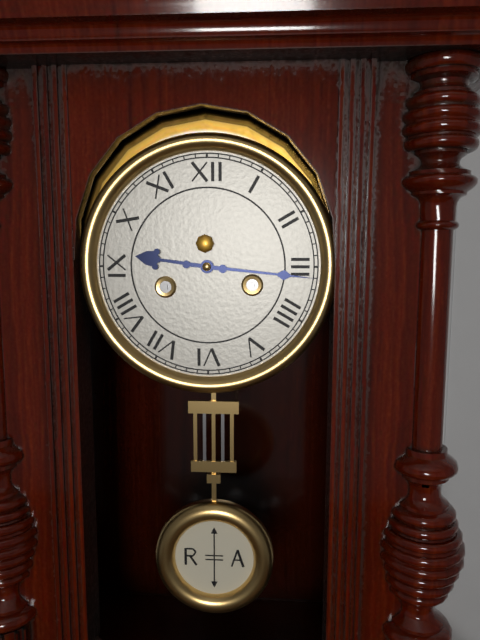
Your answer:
{"hour": 9, "minute": 16}
